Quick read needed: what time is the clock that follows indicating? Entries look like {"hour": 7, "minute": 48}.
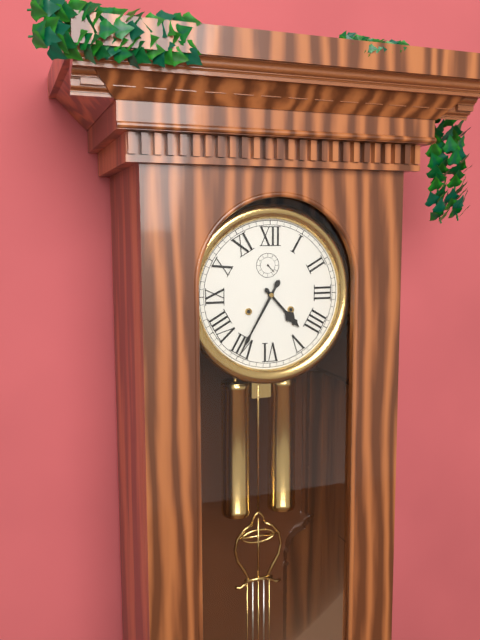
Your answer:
{"hour": 4, "minute": 35}
